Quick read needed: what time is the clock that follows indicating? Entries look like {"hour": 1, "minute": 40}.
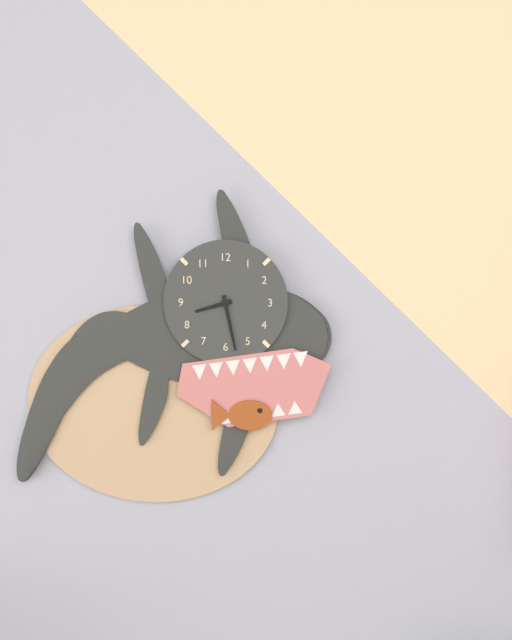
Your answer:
{"hour": 8, "minute": 28}
